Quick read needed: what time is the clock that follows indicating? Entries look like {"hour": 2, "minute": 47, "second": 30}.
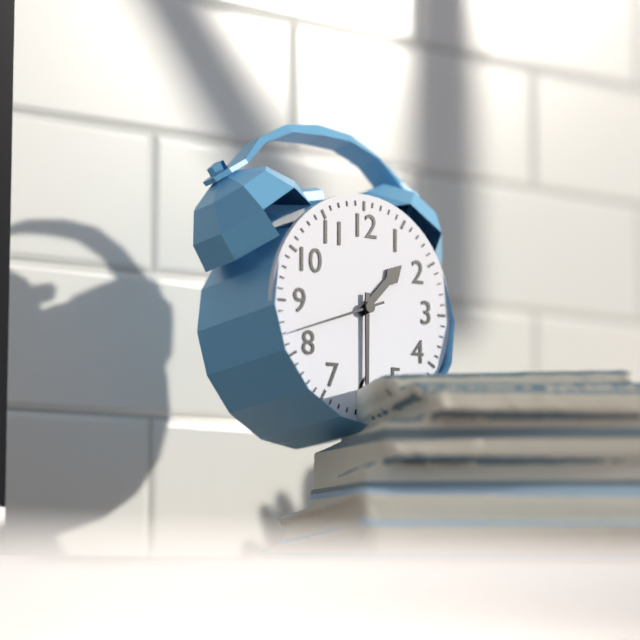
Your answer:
{"hour": 1, "minute": 30, "second": 42}
